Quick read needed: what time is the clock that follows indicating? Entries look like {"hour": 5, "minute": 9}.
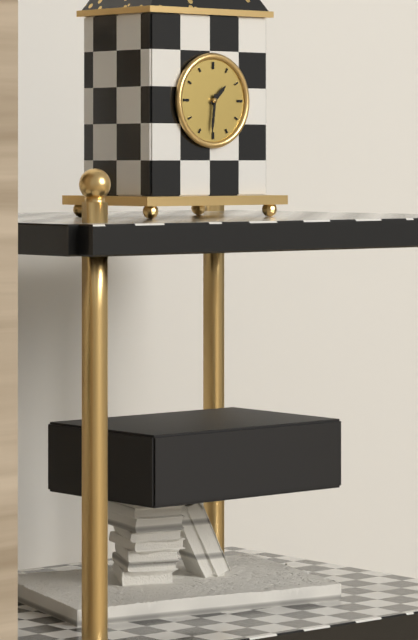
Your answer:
{"hour": 1, "minute": 31}
